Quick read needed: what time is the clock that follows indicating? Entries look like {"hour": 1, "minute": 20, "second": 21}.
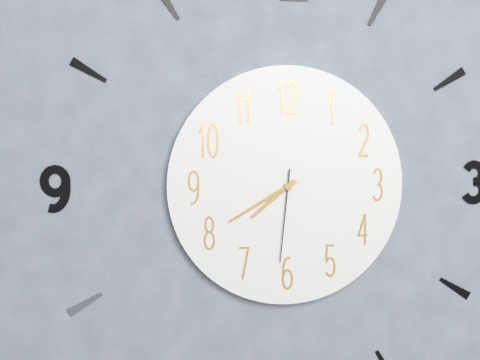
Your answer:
{"hour": 7, "minute": 40, "second": 31}
